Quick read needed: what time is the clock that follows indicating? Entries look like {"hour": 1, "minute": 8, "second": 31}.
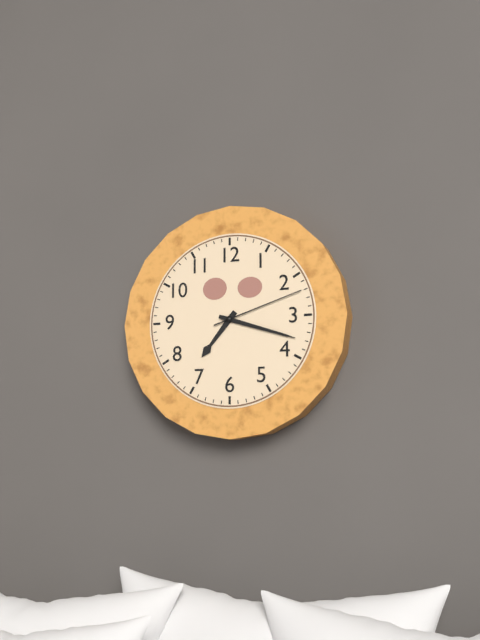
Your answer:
{"hour": 7, "minute": 18, "second": 12}
